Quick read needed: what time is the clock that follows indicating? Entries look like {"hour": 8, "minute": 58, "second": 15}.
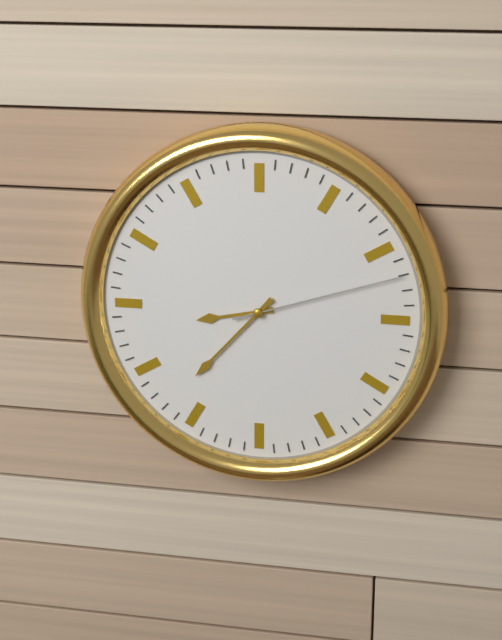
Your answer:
{"hour": 8, "minute": 37, "second": 12}
